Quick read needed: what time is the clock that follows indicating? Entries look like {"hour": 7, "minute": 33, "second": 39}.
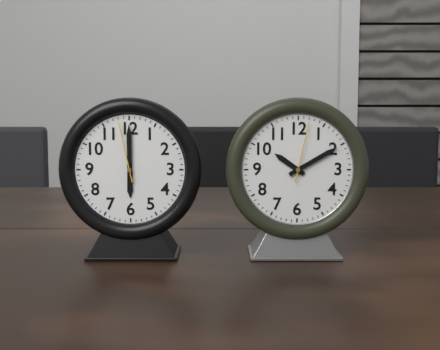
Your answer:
{"hour": 6, "minute": 0, "second": 58}
